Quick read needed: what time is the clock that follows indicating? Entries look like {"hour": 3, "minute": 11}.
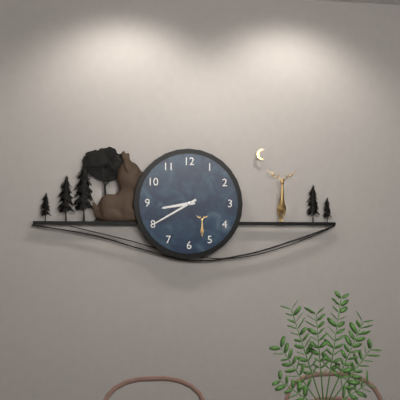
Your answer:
{"hour": 8, "minute": 40}
